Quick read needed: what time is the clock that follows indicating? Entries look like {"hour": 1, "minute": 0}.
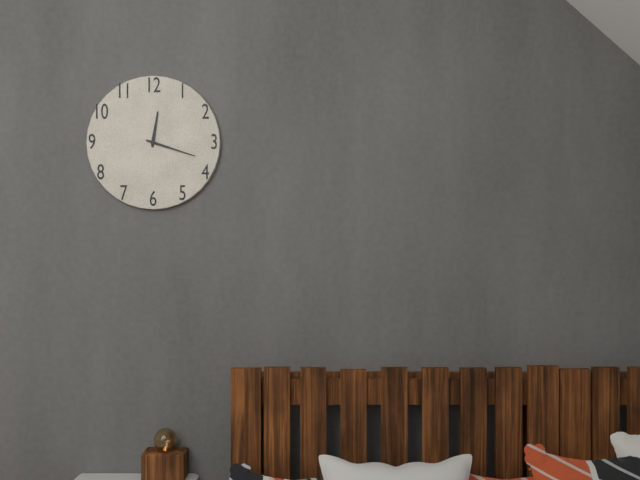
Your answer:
{"hour": 12, "minute": 18}
